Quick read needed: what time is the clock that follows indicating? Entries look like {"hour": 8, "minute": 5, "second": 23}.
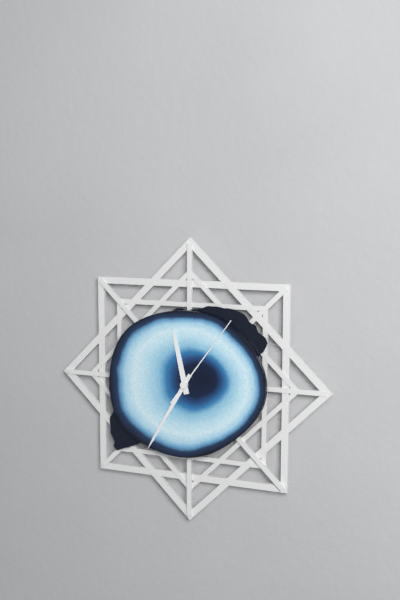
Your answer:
{"hour": 11, "minute": 35, "second": 6}
